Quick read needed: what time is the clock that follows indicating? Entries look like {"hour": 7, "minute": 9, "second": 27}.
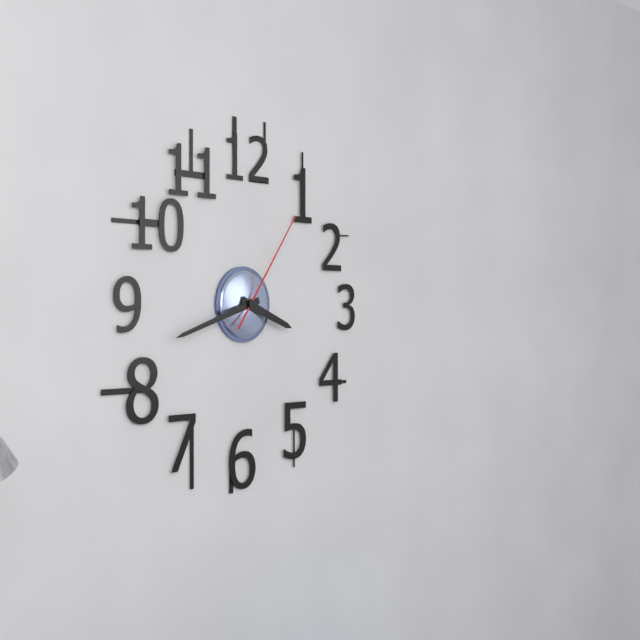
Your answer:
{"hour": 3, "minute": 42, "second": 6}
